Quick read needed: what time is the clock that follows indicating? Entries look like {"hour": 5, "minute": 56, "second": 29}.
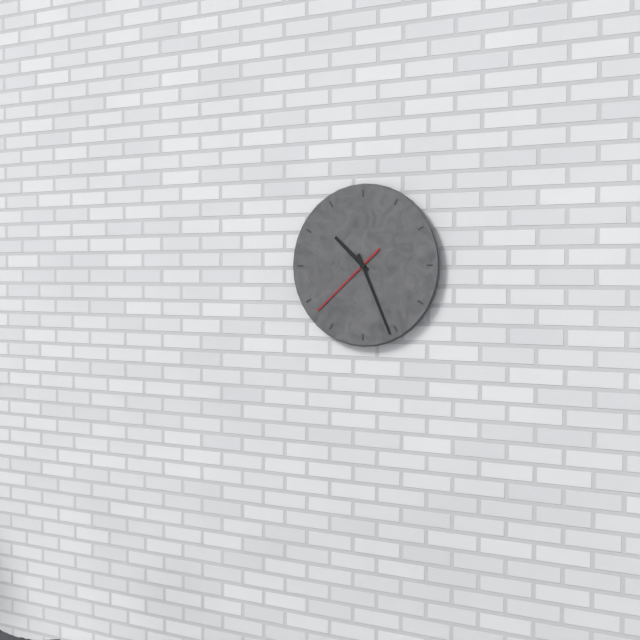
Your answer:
{"hour": 10, "minute": 26, "second": 38}
